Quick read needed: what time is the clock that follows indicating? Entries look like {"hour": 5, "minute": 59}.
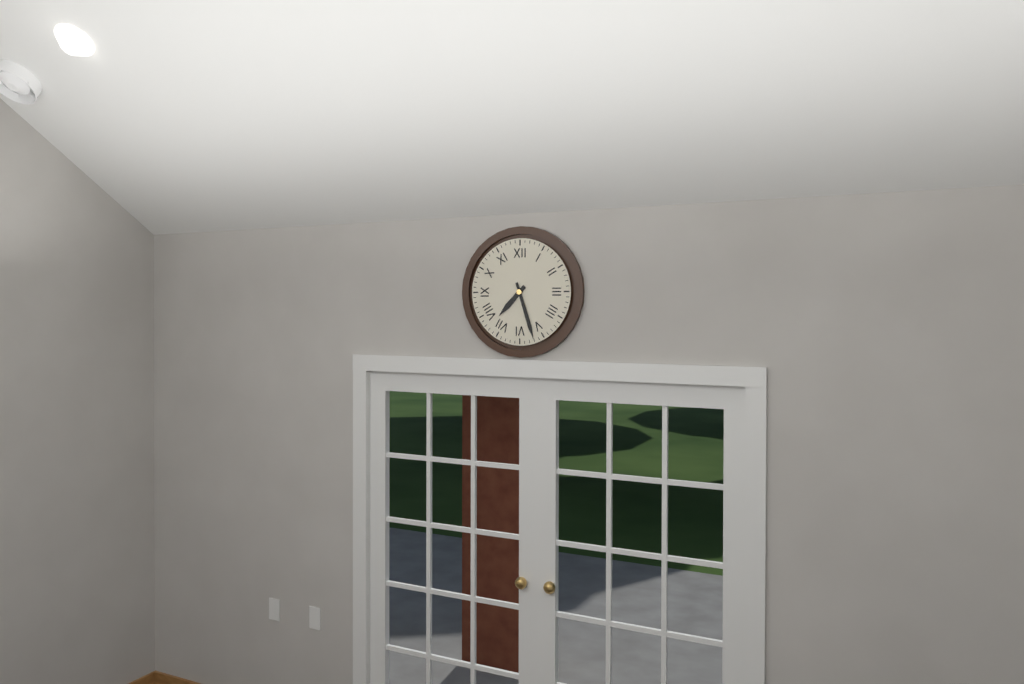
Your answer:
{"hour": 7, "minute": 27}
